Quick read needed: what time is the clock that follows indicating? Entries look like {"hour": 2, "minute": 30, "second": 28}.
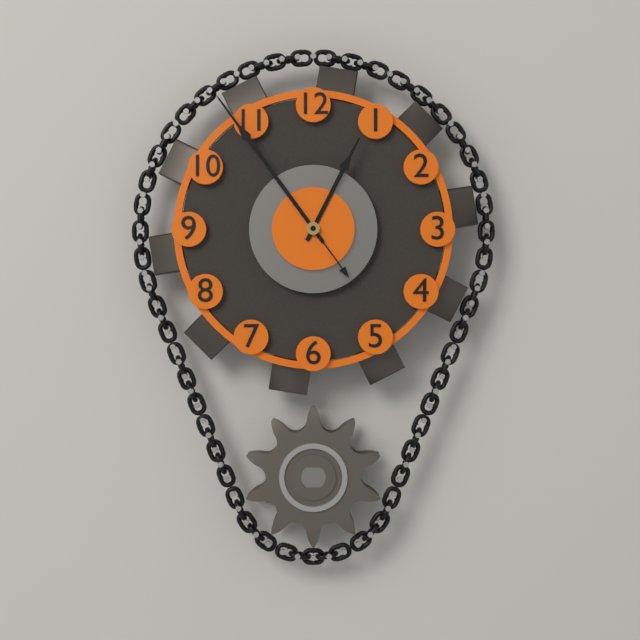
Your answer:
{"hour": 12, "minute": 54, "second": 54}
